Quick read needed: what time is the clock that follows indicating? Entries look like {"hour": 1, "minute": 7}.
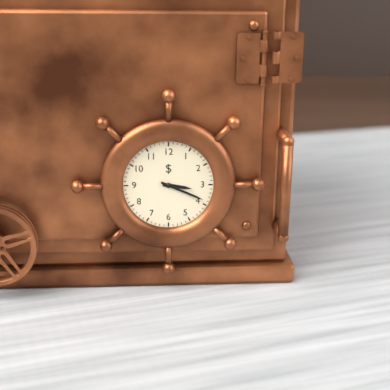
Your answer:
{"hour": 3, "minute": 19}
